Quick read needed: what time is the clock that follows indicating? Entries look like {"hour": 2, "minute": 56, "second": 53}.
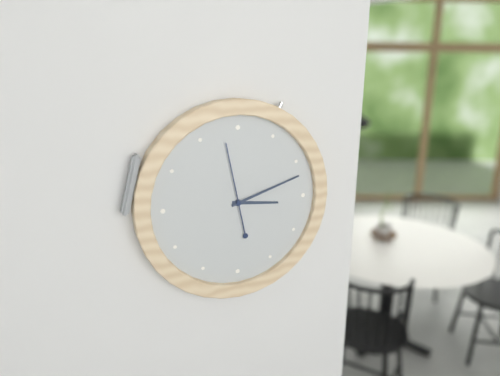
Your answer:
{"hour": 3, "minute": 12, "second": 58}
